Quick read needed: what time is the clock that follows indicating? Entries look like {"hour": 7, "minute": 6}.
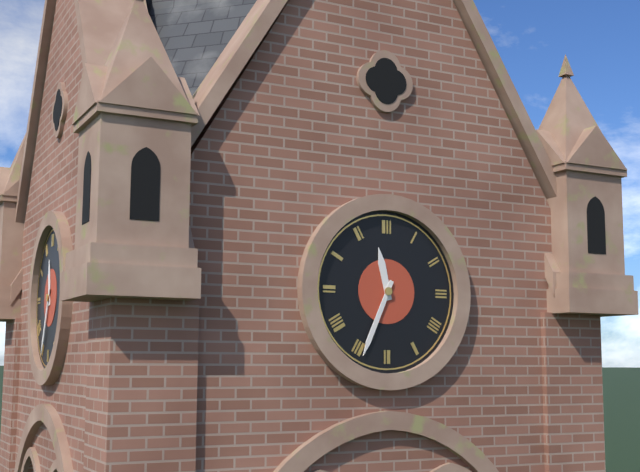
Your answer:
{"hour": 11, "minute": 34}
